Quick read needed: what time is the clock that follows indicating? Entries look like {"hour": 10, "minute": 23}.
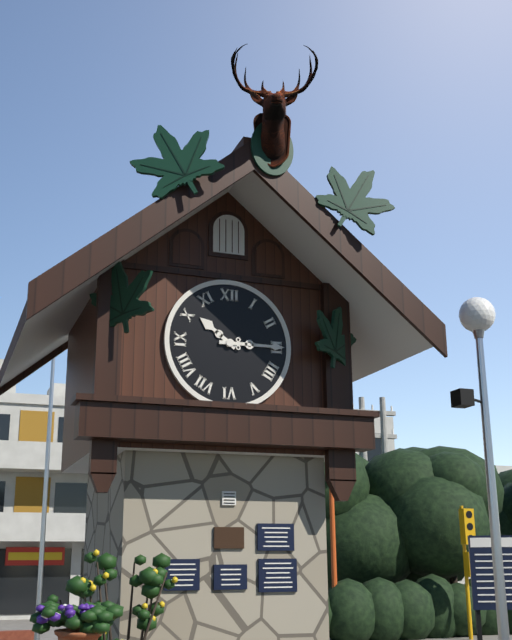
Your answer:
{"hour": 10, "minute": 15}
